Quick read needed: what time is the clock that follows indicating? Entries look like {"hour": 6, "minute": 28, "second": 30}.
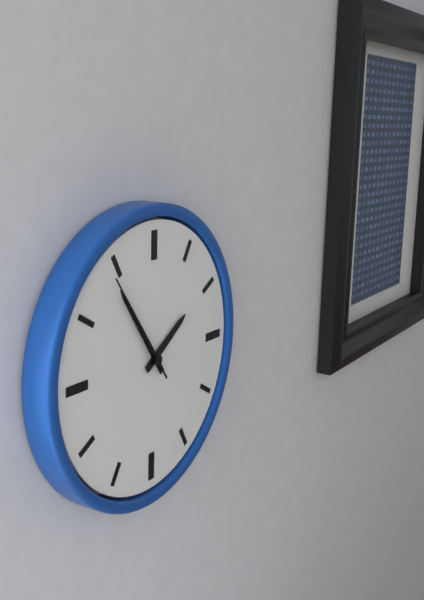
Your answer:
{"hour": 1, "minute": 54, "second": 54}
